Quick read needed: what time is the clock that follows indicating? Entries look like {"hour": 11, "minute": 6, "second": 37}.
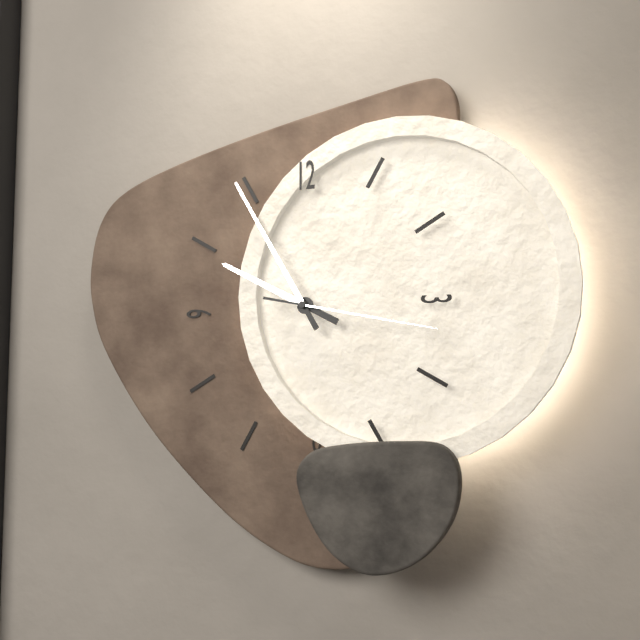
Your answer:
{"hour": 9, "minute": 55, "second": 17}
